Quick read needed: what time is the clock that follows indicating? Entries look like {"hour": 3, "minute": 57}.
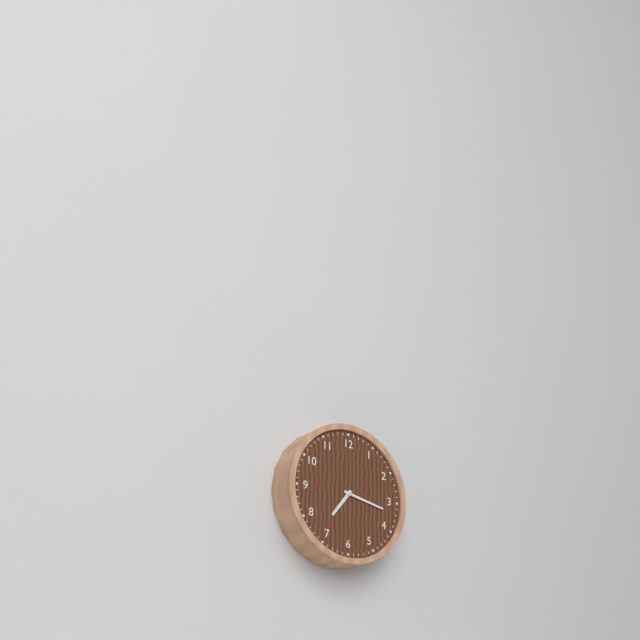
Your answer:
{"hour": 7, "minute": 17}
